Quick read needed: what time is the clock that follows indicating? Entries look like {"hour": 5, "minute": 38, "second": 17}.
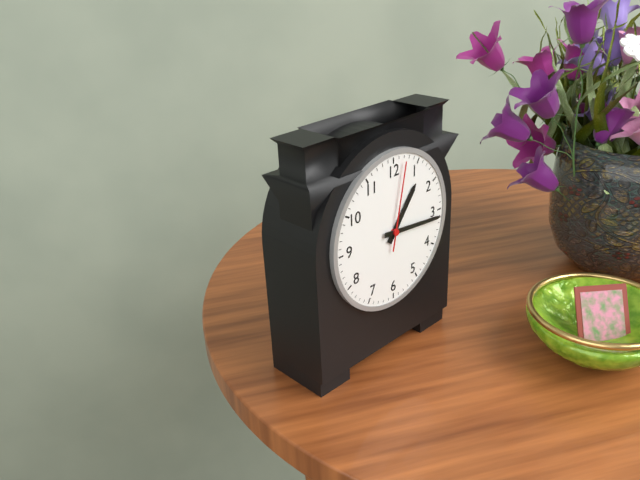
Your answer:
{"hour": 1, "minute": 16, "second": 2}
